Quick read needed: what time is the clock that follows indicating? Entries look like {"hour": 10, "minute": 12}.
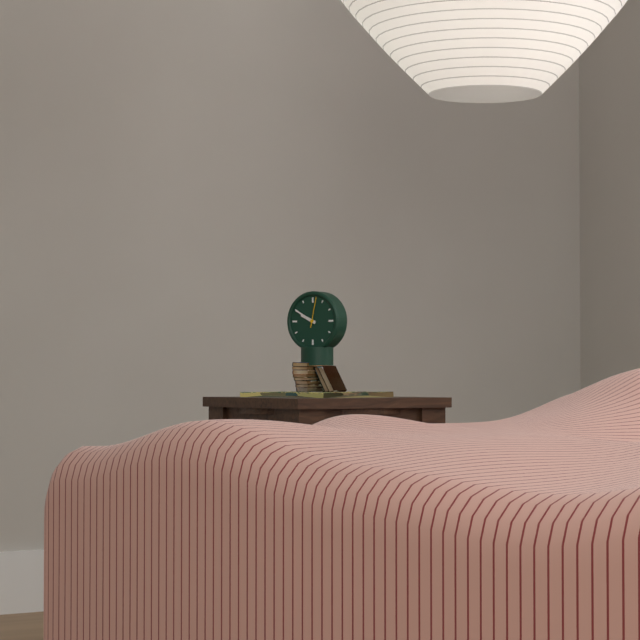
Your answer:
{"hour": 9, "minute": 50}
